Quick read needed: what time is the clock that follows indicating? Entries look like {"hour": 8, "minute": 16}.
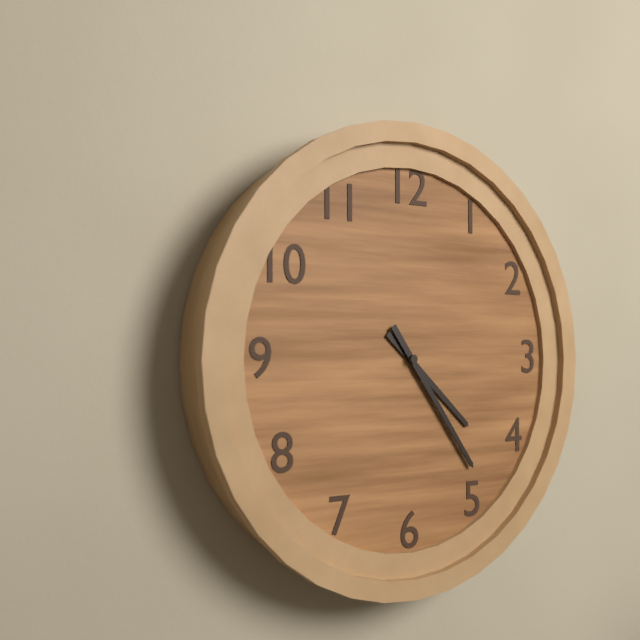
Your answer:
{"hour": 4, "minute": 24}
